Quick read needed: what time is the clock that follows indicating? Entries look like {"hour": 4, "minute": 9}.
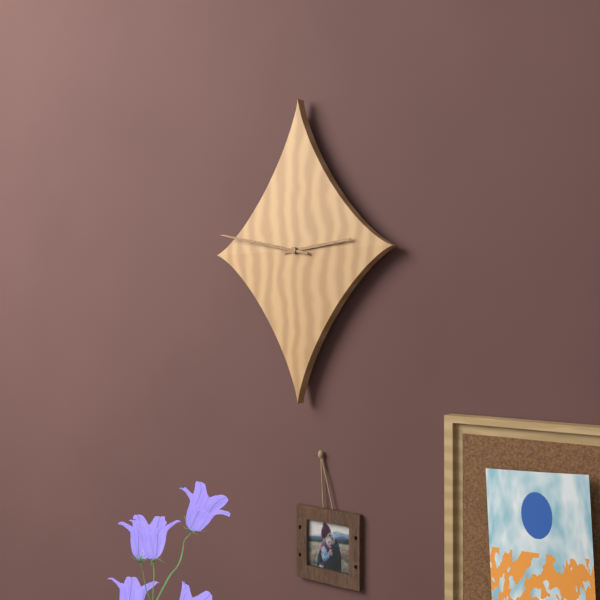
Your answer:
{"hour": 2, "minute": 47}
